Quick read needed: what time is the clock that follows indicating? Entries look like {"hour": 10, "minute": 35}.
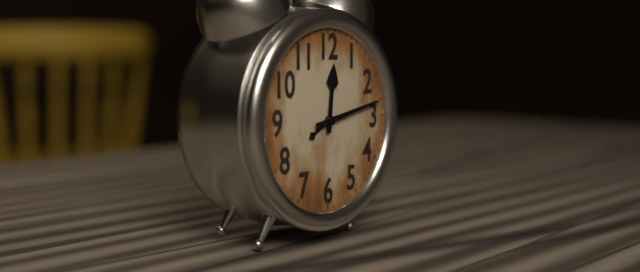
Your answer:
{"hour": 12, "minute": 13}
